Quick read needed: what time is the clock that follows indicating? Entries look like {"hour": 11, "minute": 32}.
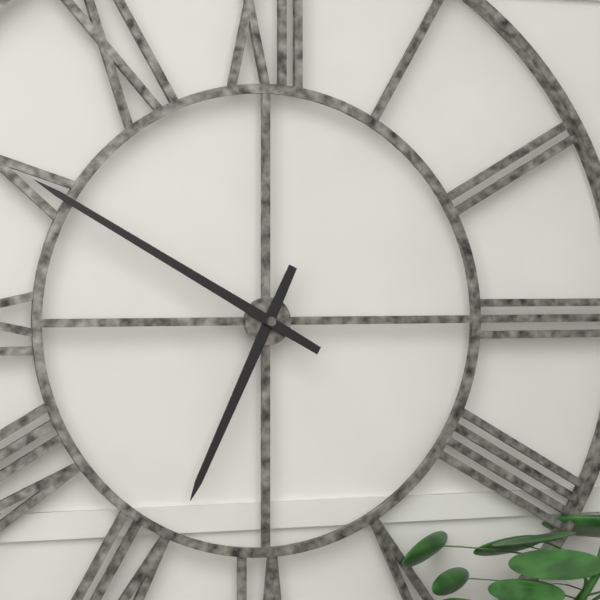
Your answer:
{"hour": 6, "minute": 50}
